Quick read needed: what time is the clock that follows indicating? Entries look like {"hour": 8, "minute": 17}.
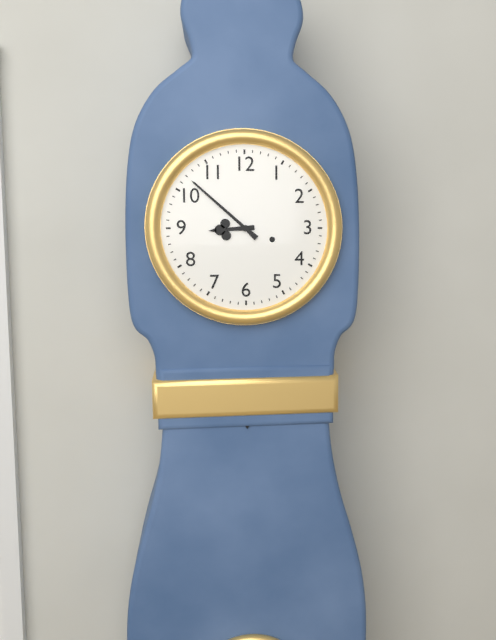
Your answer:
{"hour": 8, "minute": 52}
